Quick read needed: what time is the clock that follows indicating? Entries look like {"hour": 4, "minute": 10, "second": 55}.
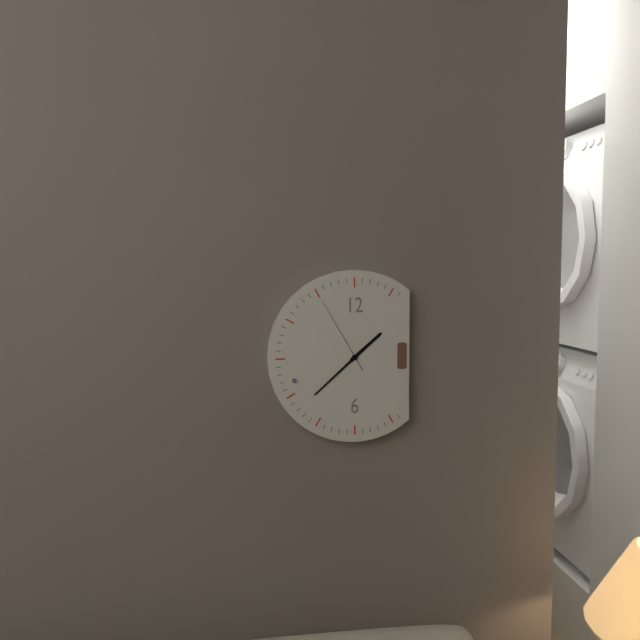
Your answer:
{"hour": 1, "minute": 38, "second": 55}
